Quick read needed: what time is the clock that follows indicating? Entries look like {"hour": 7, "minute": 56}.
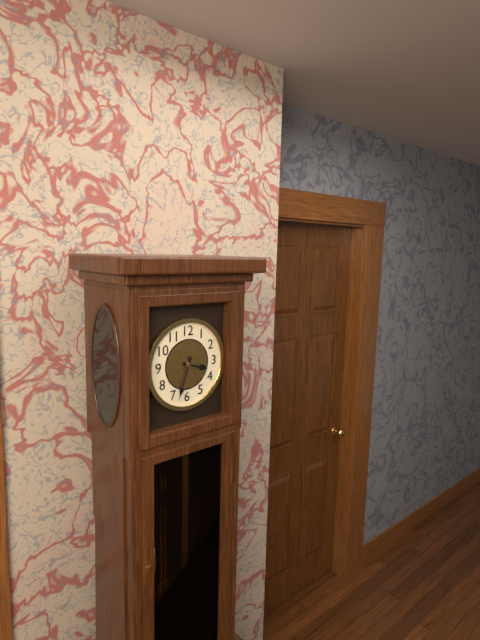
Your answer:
{"hour": 3, "minute": 33}
